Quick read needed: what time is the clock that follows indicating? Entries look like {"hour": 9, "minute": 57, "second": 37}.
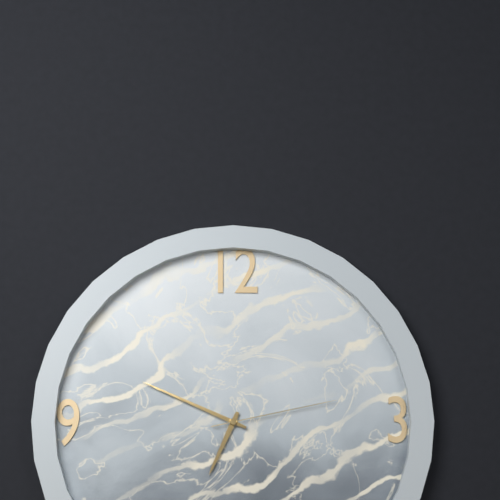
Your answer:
{"hour": 6, "minute": 49, "second": 13}
